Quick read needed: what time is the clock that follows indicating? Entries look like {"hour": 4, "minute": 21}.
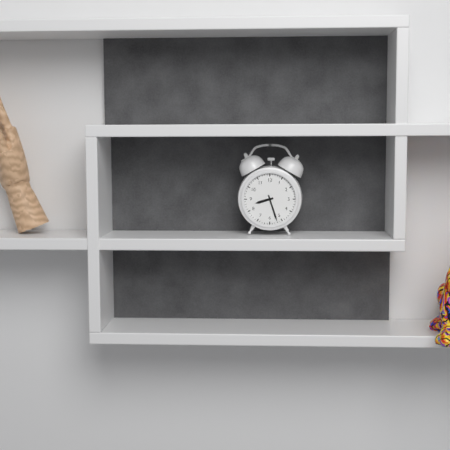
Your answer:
{"hour": 8, "minute": 27}
